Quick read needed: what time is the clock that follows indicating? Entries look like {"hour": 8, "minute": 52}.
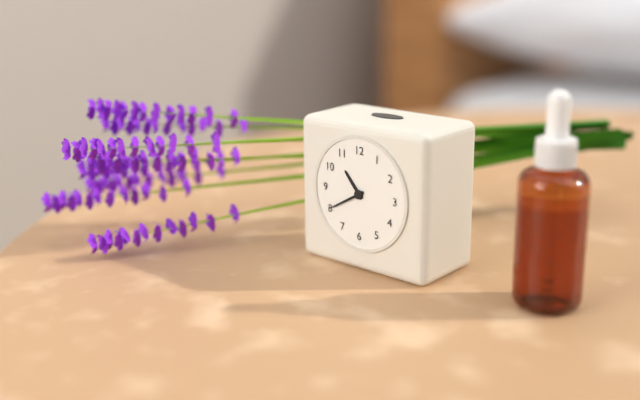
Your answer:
{"hour": 10, "minute": 40}
